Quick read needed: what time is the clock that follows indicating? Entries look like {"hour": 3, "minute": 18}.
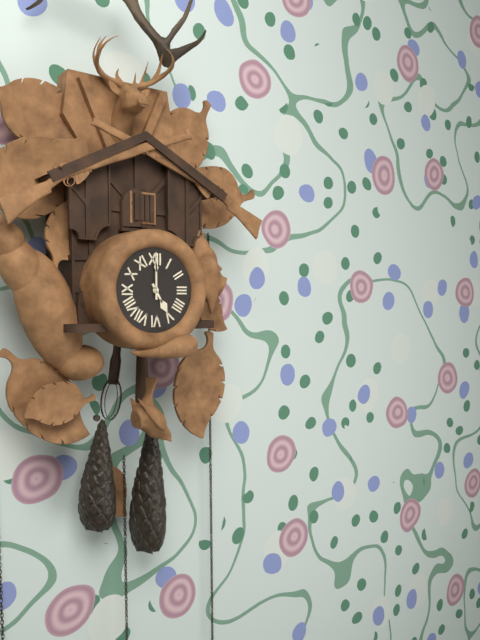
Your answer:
{"hour": 5, "minute": 0}
